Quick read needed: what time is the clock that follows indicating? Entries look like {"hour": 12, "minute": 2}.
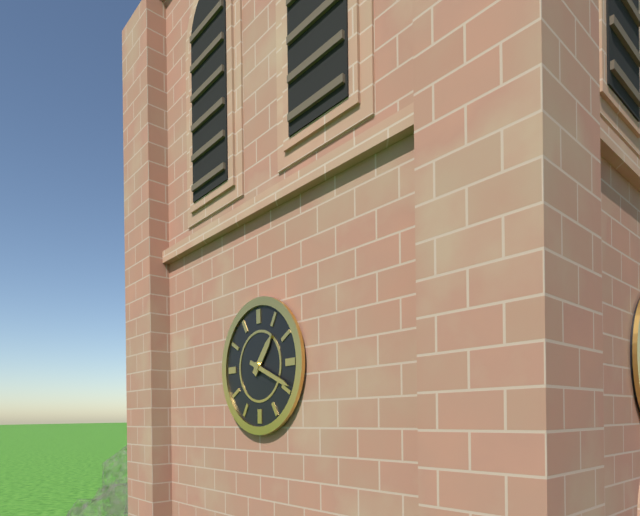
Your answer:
{"hour": 1, "minute": 19}
